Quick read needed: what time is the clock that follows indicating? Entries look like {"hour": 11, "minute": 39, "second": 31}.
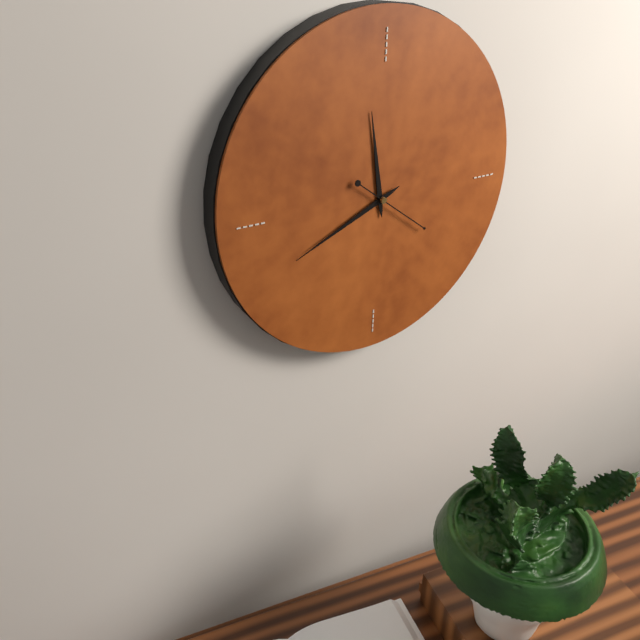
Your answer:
{"hour": 11, "minute": 41, "second": 21}
